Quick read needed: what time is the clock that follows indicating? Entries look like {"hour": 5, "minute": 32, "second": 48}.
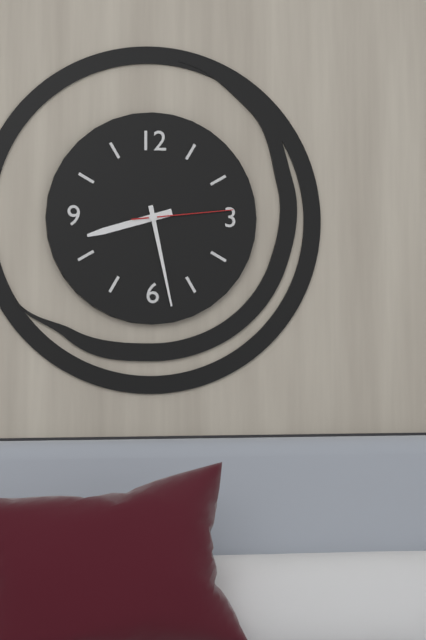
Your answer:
{"hour": 8, "minute": 28, "second": 14}
